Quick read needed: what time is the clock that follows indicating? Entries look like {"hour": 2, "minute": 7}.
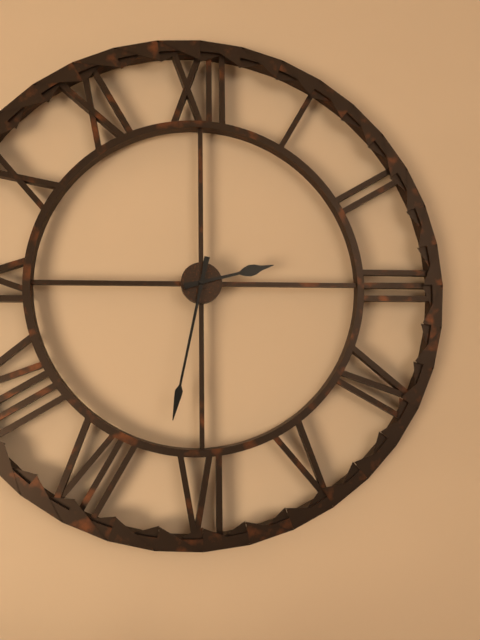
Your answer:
{"hour": 2, "minute": 32}
